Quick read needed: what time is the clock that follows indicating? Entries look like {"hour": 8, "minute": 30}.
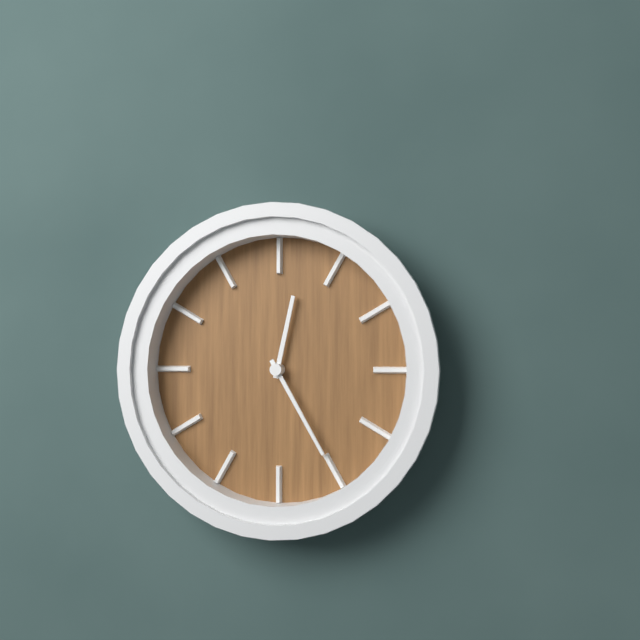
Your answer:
{"hour": 12, "minute": 25}
